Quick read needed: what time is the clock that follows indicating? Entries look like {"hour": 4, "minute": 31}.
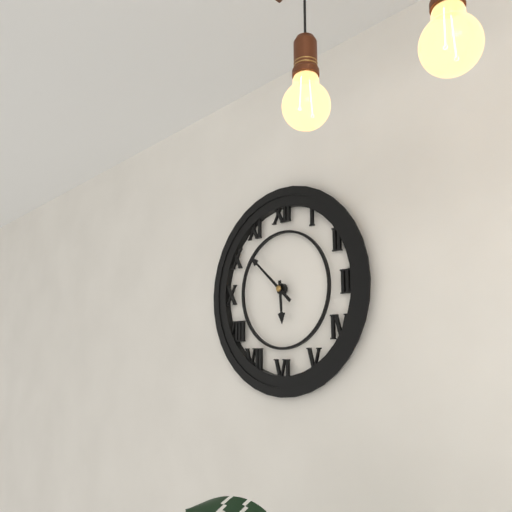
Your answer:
{"hour": 5, "minute": 52}
